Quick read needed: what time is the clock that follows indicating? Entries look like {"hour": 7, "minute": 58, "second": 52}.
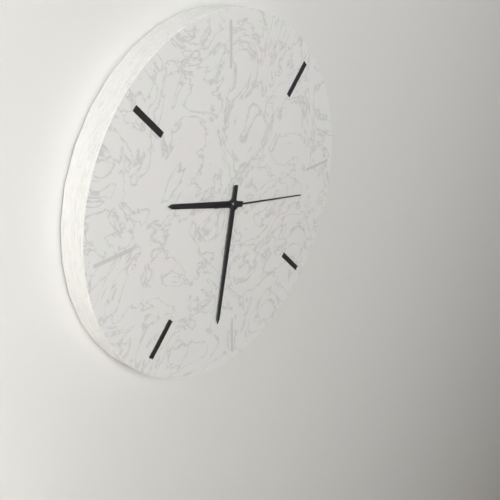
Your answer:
{"hour": 9, "minute": 32, "second": 17}
